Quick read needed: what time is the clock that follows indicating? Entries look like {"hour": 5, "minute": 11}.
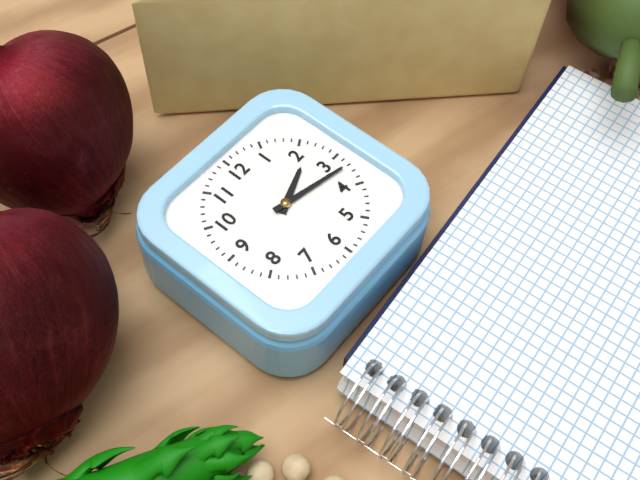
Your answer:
{"hour": 2, "minute": 17}
